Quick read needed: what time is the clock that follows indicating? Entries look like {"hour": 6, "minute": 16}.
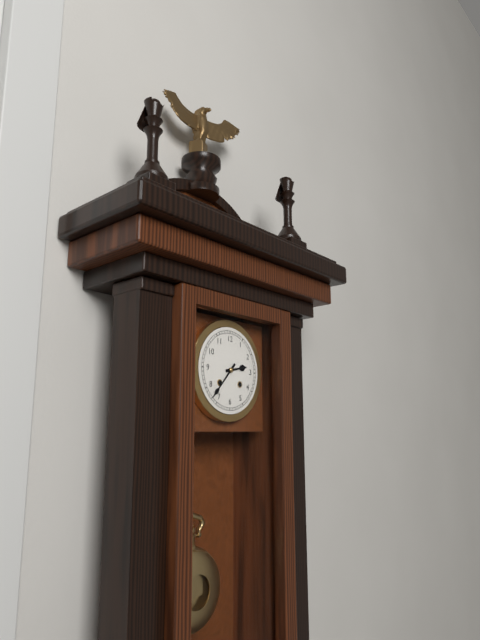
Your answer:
{"hour": 2, "minute": 37}
